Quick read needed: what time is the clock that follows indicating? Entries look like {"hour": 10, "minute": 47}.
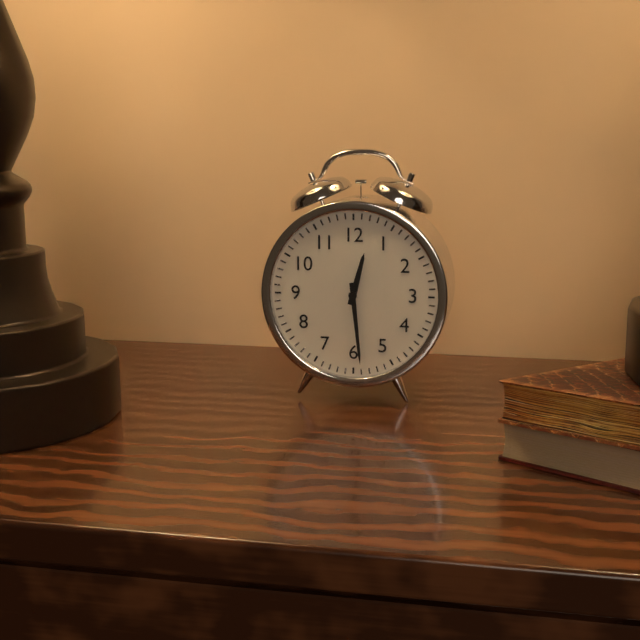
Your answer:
{"hour": 12, "minute": 29}
